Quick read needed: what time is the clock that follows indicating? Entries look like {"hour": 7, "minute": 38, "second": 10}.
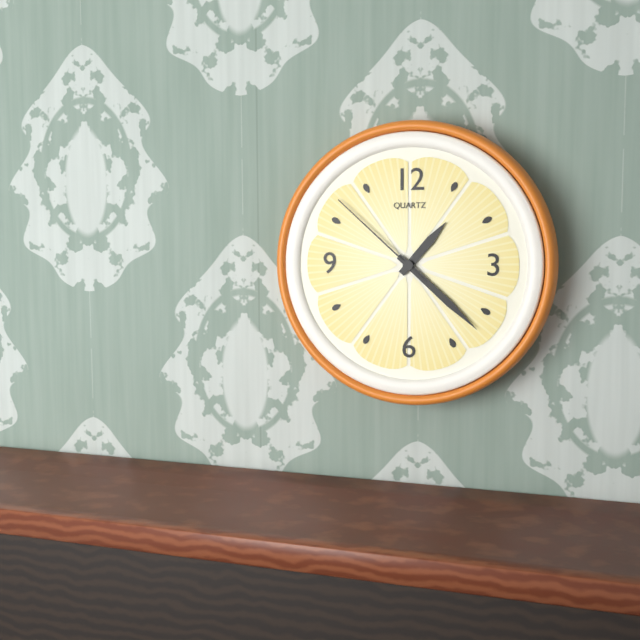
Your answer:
{"hour": 1, "minute": 22, "second": 52}
